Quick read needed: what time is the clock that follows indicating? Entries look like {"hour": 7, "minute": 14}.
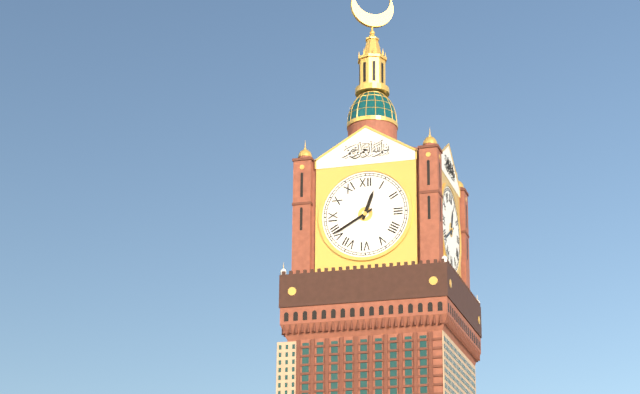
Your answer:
{"hour": 12, "minute": 40}
